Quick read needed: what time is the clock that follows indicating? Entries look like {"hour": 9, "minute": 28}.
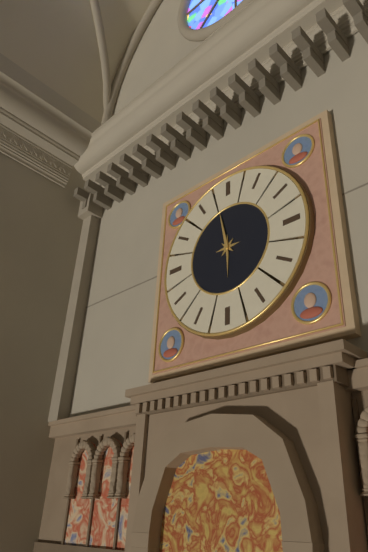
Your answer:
{"hour": 5, "minute": 58}
